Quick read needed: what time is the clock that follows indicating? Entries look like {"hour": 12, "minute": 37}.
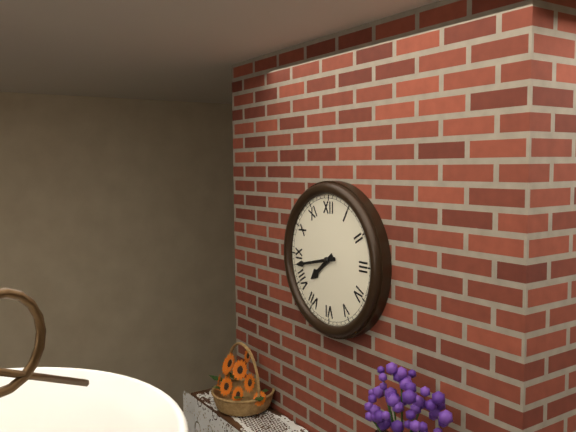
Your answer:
{"hour": 7, "minute": 43}
